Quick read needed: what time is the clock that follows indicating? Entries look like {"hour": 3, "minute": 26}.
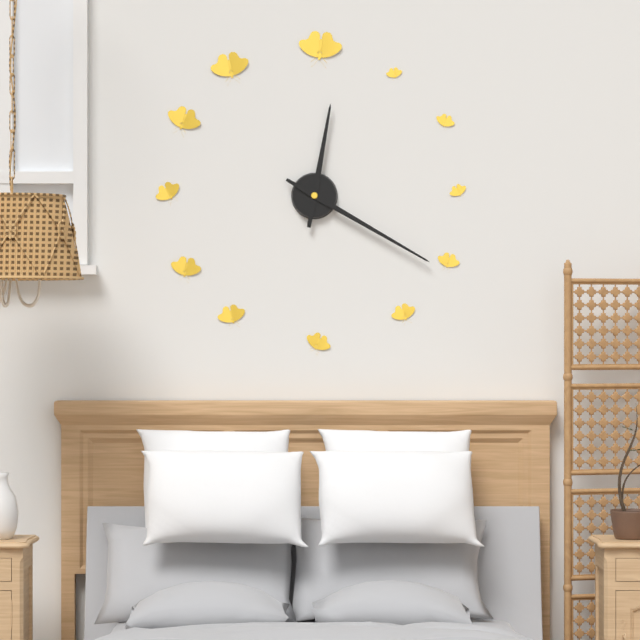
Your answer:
{"hour": 12, "minute": 20}
